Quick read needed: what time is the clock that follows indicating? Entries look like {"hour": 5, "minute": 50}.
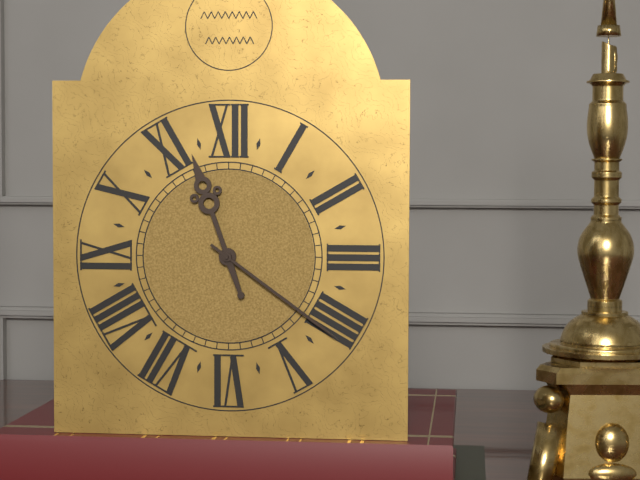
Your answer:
{"hour": 11, "minute": 21}
